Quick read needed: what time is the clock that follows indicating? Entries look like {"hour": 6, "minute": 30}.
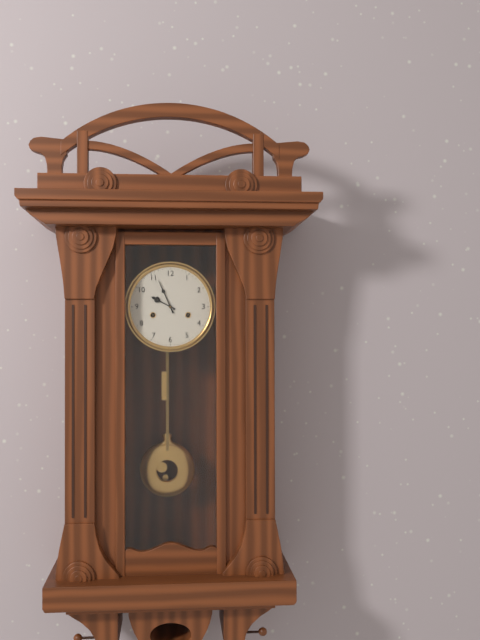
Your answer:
{"hour": 9, "minute": 56}
